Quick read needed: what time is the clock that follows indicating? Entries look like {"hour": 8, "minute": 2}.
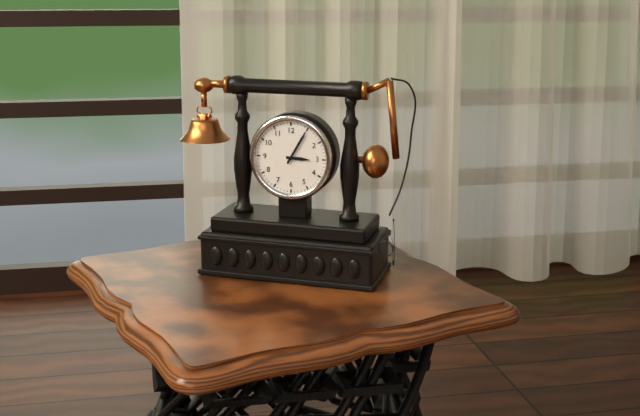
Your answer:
{"hour": 3, "minute": 5}
